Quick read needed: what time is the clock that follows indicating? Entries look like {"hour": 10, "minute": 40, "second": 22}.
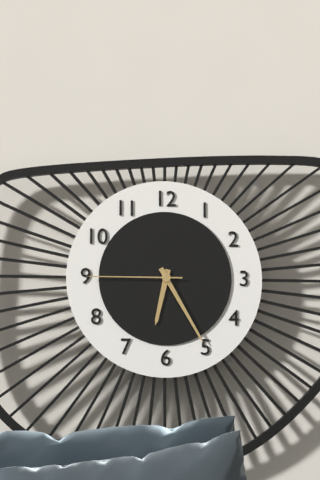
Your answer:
{"hour": 6, "minute": 25, "second": 45}
